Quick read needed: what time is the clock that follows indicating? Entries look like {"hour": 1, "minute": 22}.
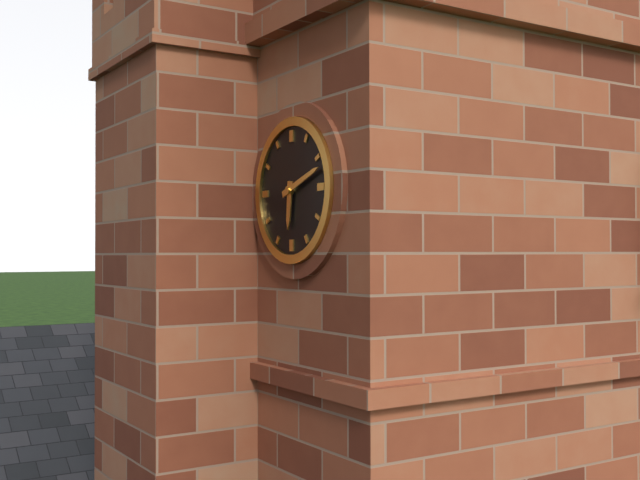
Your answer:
{"hour": 6, "minute": 12}
